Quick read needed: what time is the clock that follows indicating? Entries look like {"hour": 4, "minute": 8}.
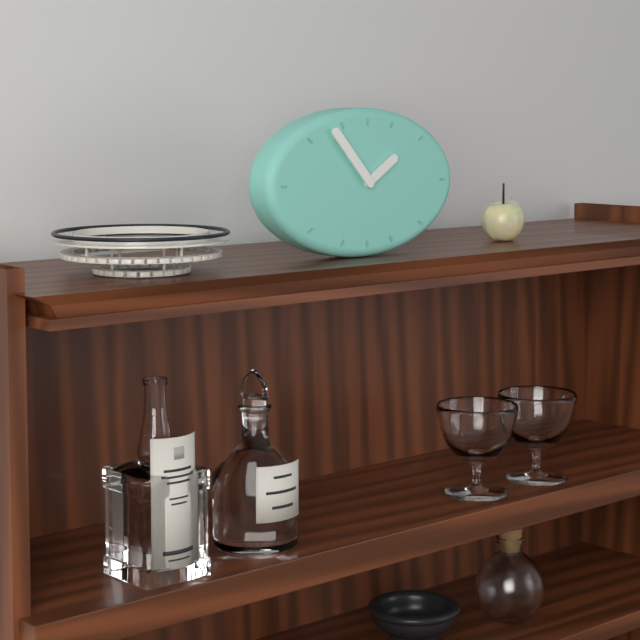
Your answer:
{"hour": 1, "minute": 53}
